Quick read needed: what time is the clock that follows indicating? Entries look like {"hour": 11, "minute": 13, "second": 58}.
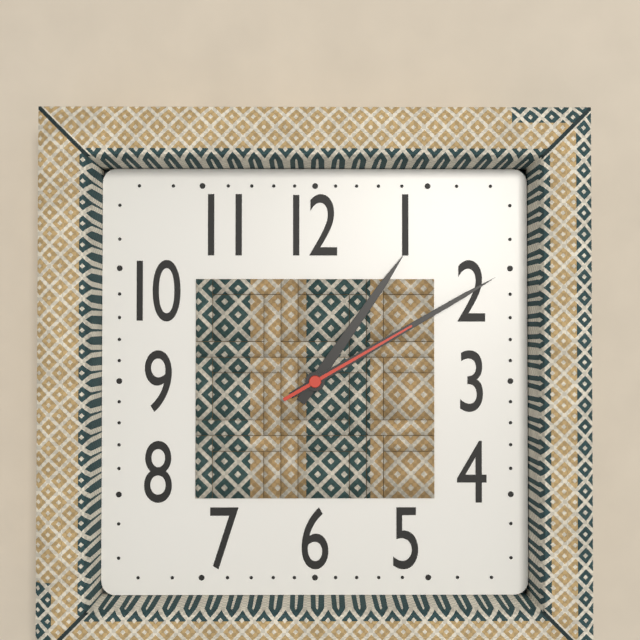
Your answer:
{"hour": 1, "minute": 10, "second": 10}
